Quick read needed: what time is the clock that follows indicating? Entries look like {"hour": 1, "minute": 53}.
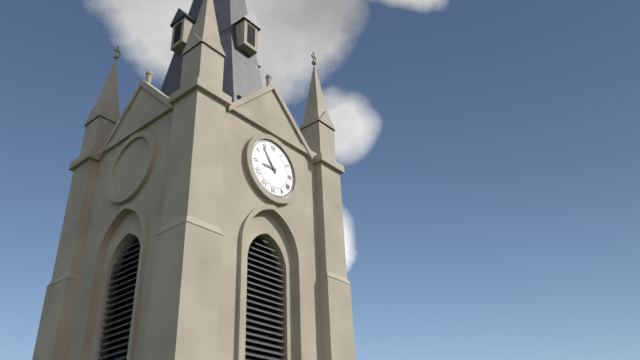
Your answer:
{"hour": 8, "minute": 54}
